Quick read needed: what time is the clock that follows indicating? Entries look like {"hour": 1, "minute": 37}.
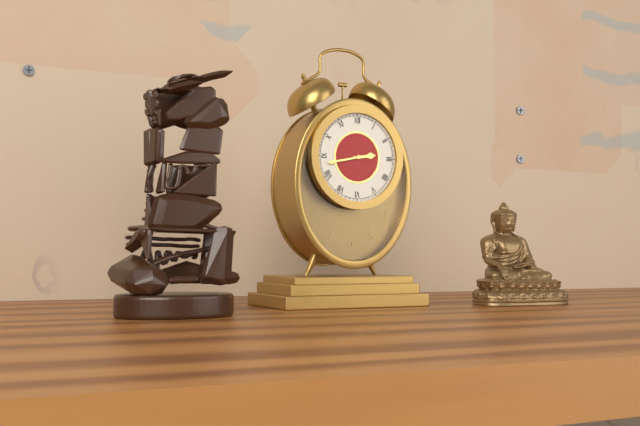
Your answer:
{"hour": 2, "minute": 43}
